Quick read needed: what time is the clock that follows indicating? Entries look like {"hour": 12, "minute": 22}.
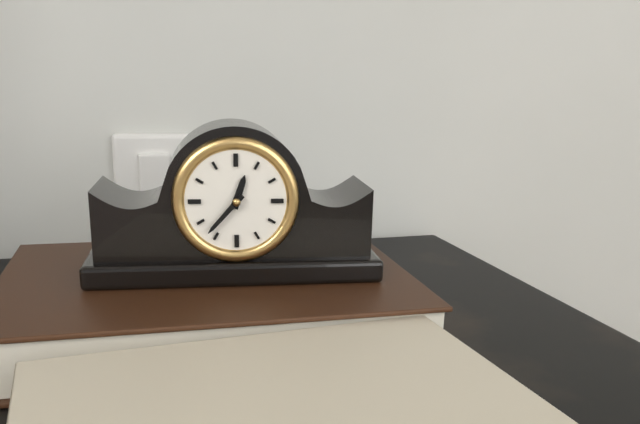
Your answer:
{"hour": 12, "minute": 37}
